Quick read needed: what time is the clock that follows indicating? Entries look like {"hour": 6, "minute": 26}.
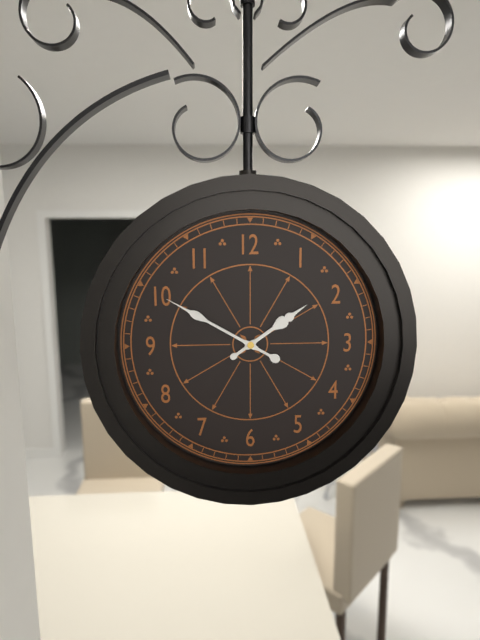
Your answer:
{"hour": 1, "minute": 50}
